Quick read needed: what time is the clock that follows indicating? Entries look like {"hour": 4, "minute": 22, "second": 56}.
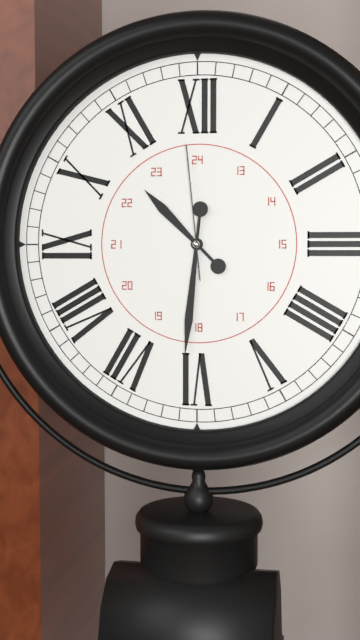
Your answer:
{"hour": 10, "minute": 31, "second": 59}
